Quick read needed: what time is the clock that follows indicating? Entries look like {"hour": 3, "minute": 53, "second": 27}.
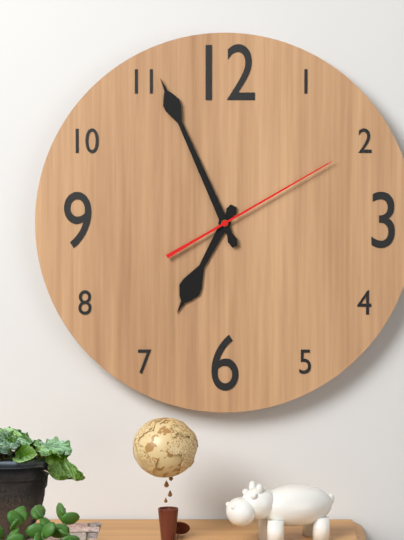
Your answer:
{"hour": 6, "minute": 56, "second": 10}
